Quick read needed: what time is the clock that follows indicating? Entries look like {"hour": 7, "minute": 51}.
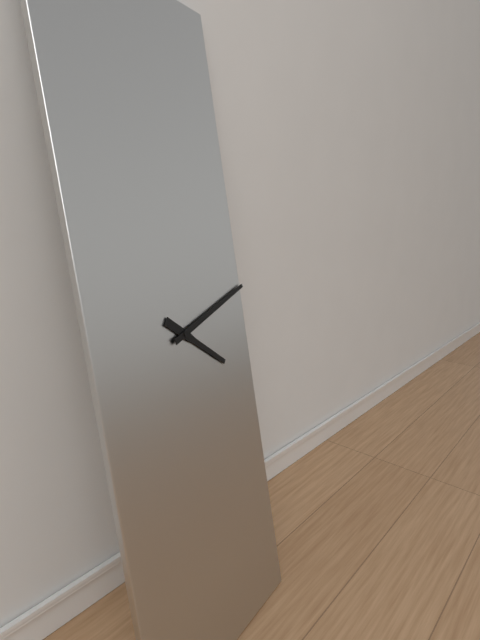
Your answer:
{"hour": 4, "minute": 12}
